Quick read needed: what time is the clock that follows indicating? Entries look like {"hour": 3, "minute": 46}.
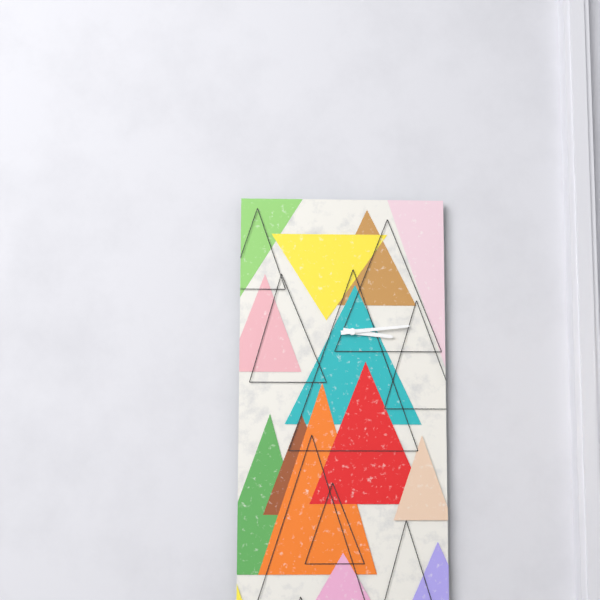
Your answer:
{"hour": 3, "minute": 14}
